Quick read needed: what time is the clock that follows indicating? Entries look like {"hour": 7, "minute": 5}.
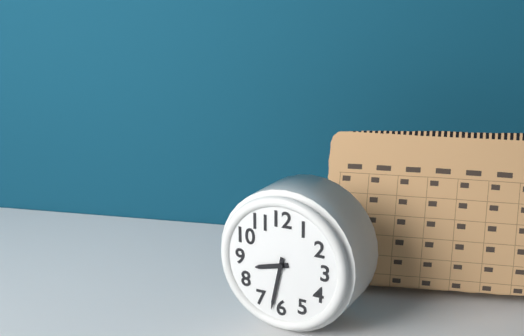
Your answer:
{"hour": 8, "minute": 32}
